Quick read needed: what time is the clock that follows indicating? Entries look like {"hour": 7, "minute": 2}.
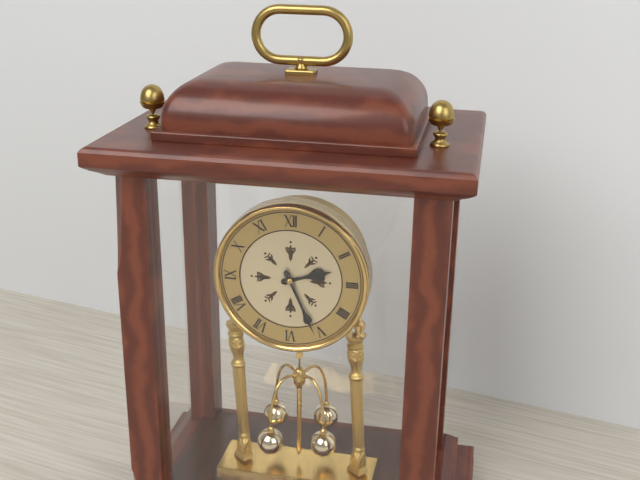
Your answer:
{"hour": 2, "minute": 26}
